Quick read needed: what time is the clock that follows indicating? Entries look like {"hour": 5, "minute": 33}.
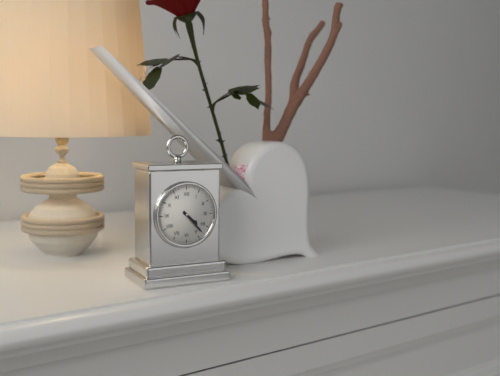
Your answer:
{"hour": 4, "minute": 23}
